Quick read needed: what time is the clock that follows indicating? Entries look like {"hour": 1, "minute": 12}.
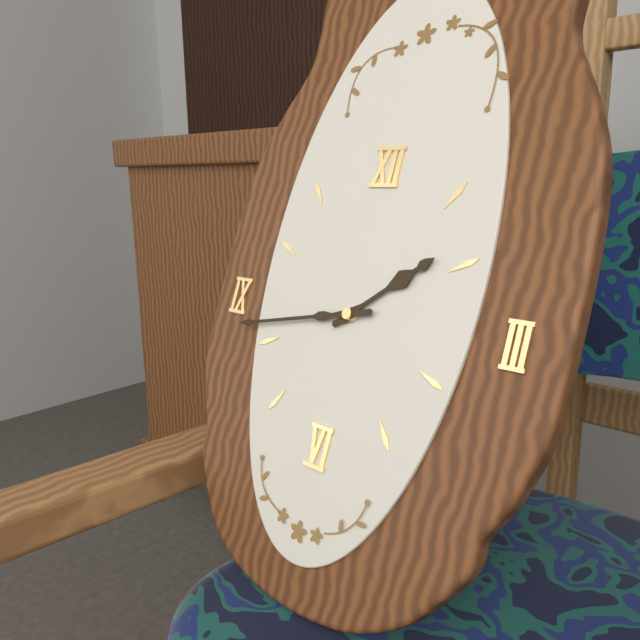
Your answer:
{"hour": 1, "minute": 43}
